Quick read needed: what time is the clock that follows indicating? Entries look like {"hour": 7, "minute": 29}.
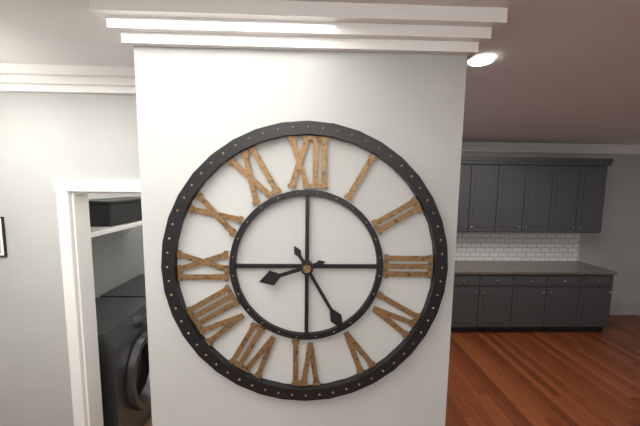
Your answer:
{"hour": 8, "minute": 25}
